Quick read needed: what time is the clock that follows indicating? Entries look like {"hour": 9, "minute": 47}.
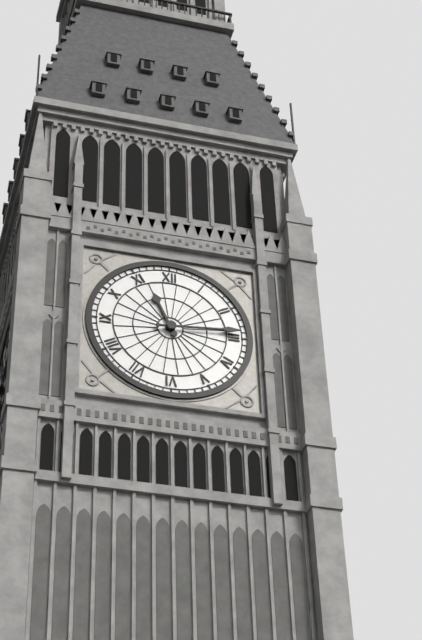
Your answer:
{"hour": 11, "minute": 14}
